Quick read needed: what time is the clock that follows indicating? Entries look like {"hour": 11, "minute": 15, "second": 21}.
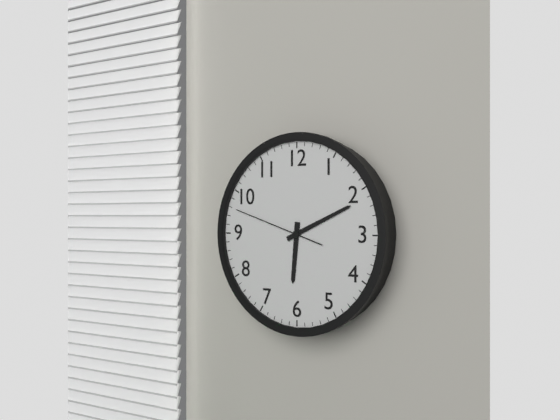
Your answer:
{"hour": 6, "minute": 11, "second": 48}
